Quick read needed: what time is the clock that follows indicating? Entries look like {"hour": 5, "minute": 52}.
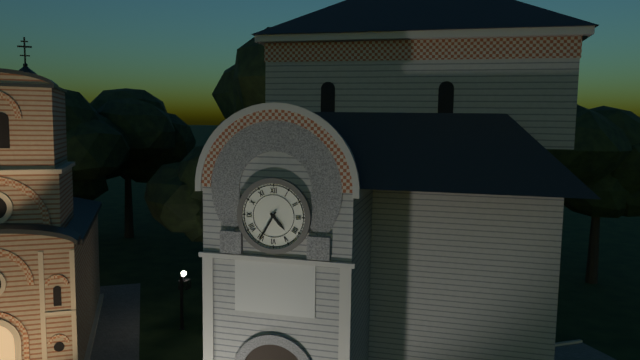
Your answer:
{"hour": 4, "minute": 35}
